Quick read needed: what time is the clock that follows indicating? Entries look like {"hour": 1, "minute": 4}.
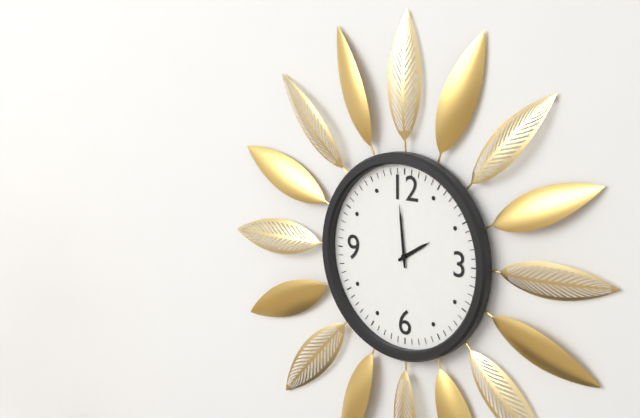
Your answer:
{"hour": 1, "minute": 59}
